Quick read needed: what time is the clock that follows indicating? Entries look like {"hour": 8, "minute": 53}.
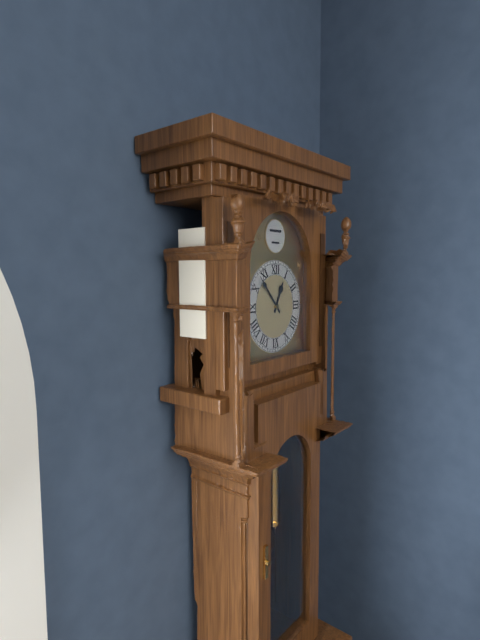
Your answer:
{"hour": 12, "minute": 53}
